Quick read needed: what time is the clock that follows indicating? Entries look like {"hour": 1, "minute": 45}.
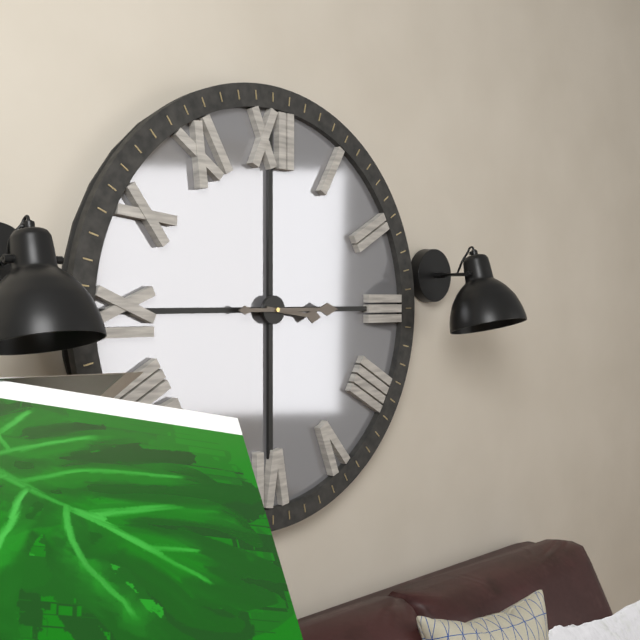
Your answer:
{"hour": 3, "minute": 15}
